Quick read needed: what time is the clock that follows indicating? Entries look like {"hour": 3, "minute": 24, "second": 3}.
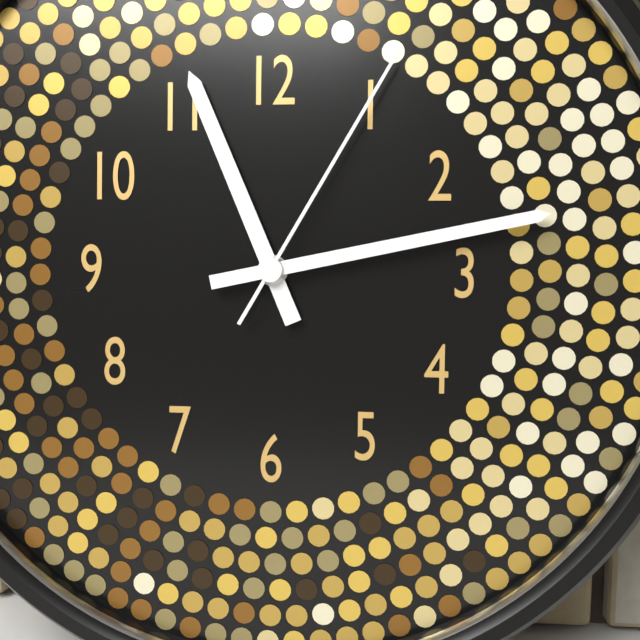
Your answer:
{"hour": 11, "minute": 13, "second": 5}
